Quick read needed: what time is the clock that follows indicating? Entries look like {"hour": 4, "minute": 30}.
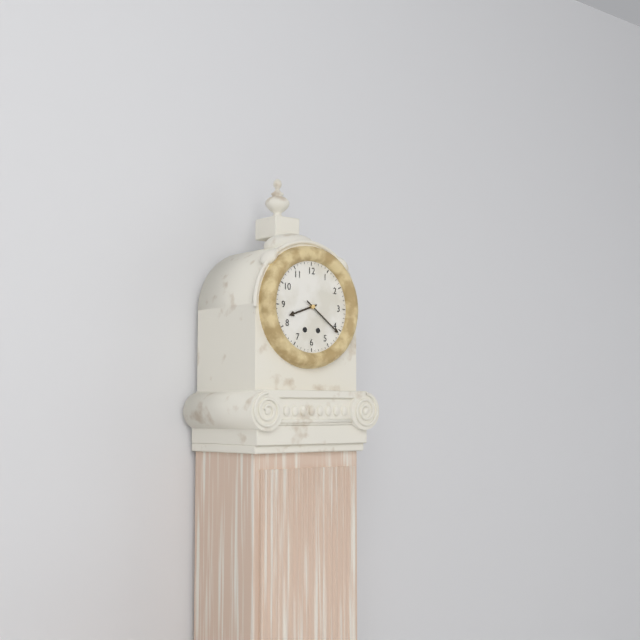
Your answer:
{"hour": 8, "minute": 21}
